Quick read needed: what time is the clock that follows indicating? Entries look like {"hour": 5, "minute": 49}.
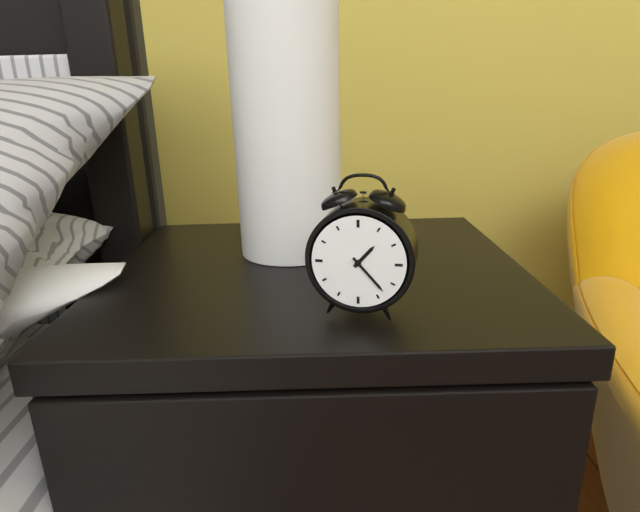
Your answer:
{"hour": 1, "minute": 23}
